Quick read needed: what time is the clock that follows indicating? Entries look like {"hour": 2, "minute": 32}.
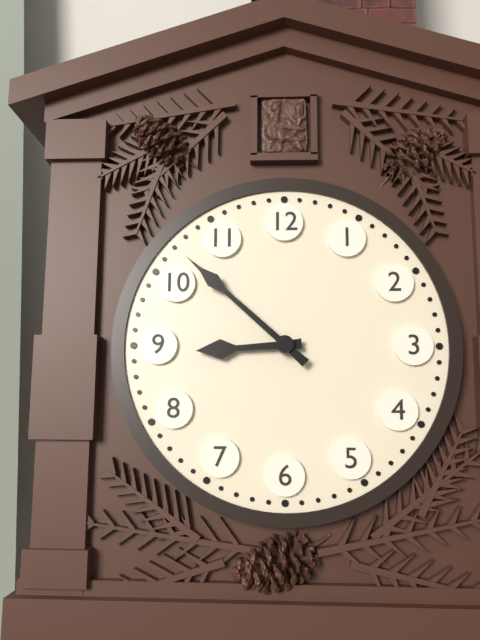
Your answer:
{"hour": 8, "minute": 52}
